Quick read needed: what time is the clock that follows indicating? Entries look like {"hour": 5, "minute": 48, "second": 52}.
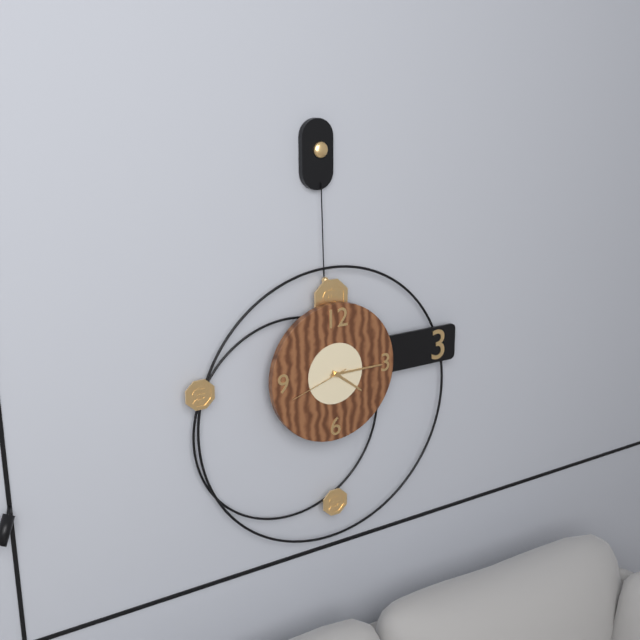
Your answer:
{"hour": 4, "minute": 15, "second": 42}
